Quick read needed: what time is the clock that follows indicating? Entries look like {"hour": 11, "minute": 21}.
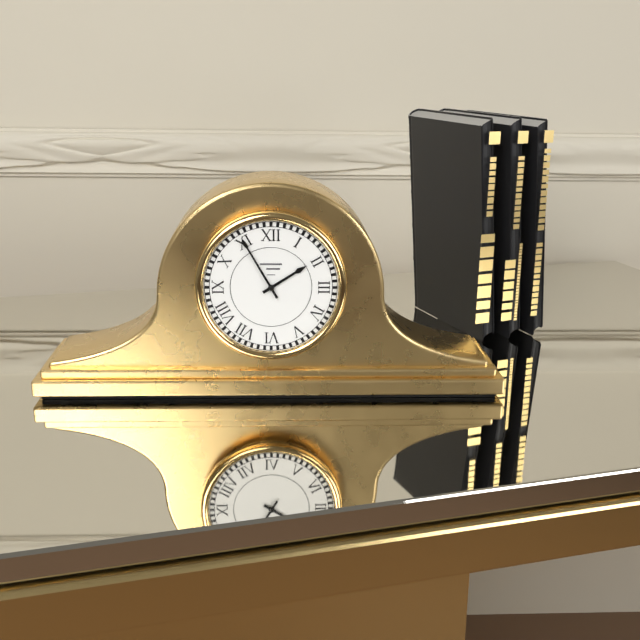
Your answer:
{"hour": 1, "minute": 55}
